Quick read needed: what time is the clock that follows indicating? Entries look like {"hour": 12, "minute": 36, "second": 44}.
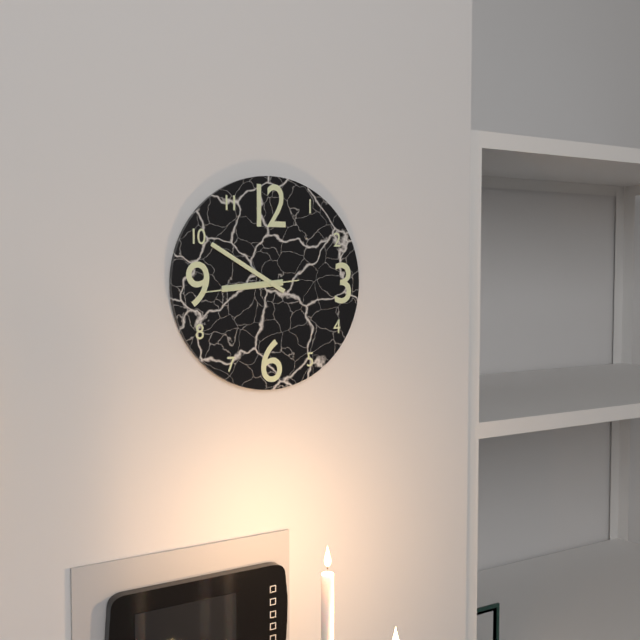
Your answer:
{"hour": 8, "minute": 50, "second": 44}
